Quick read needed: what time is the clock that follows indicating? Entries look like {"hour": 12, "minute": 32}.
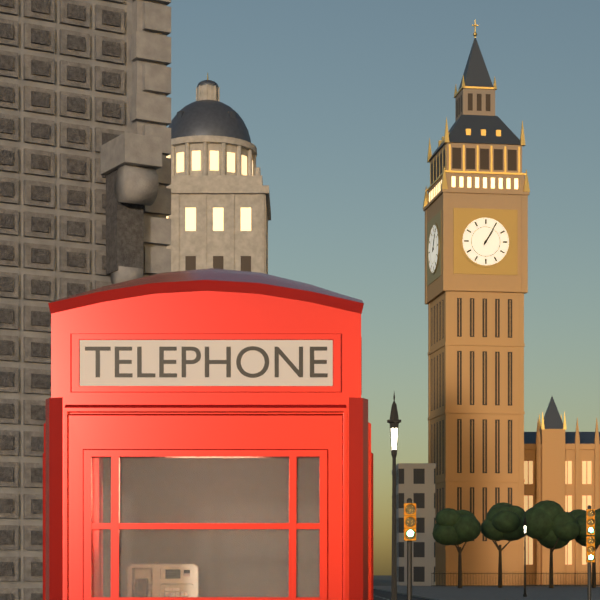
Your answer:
{"hour": 1, "minute": 5}
